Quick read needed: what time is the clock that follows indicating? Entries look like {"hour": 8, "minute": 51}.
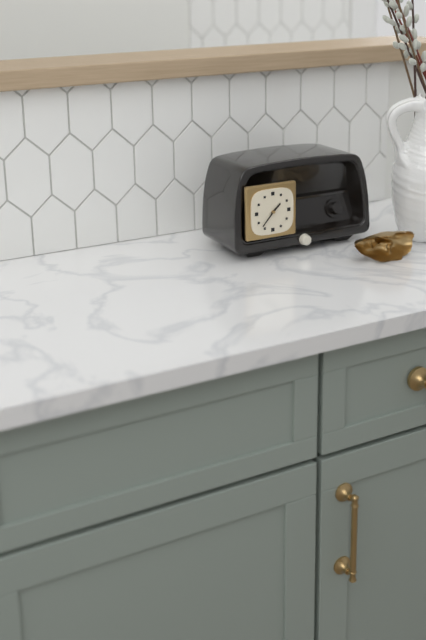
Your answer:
{"hour": 1, "minute": 37}
